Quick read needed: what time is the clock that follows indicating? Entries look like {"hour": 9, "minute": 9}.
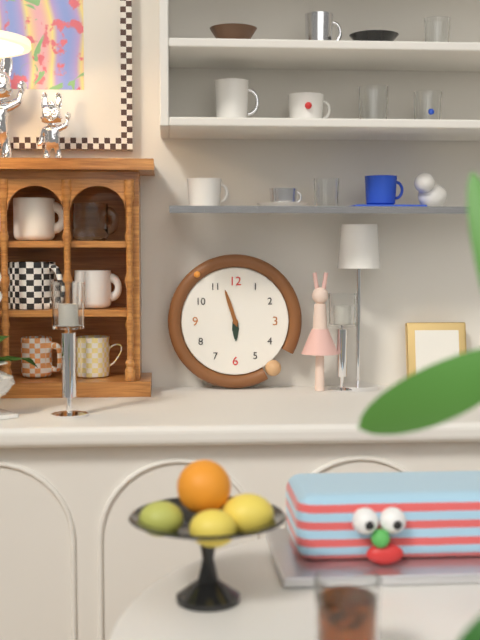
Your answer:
{"hour": 5, "minute": 57}
